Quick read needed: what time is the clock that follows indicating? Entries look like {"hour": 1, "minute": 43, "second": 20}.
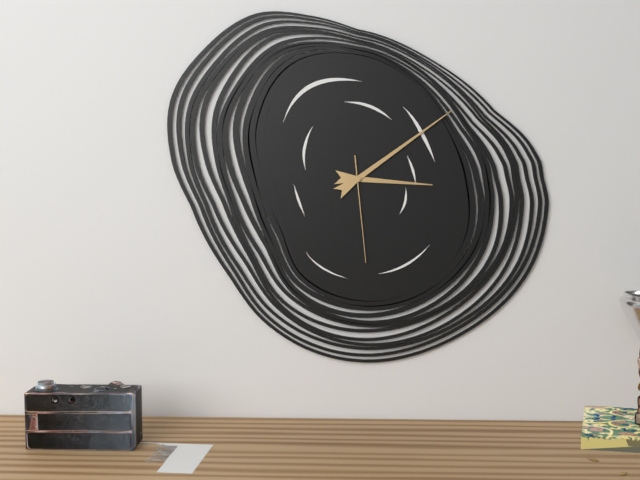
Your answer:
{"hour": 3, "minute": 9, "second": 29}
